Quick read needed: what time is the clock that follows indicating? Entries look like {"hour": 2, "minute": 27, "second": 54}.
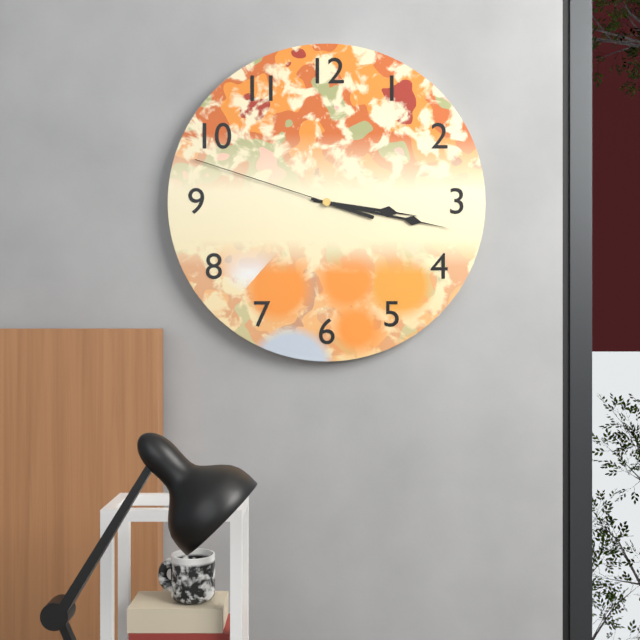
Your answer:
{"hour": 3, "minute": 17, "second": 48}
